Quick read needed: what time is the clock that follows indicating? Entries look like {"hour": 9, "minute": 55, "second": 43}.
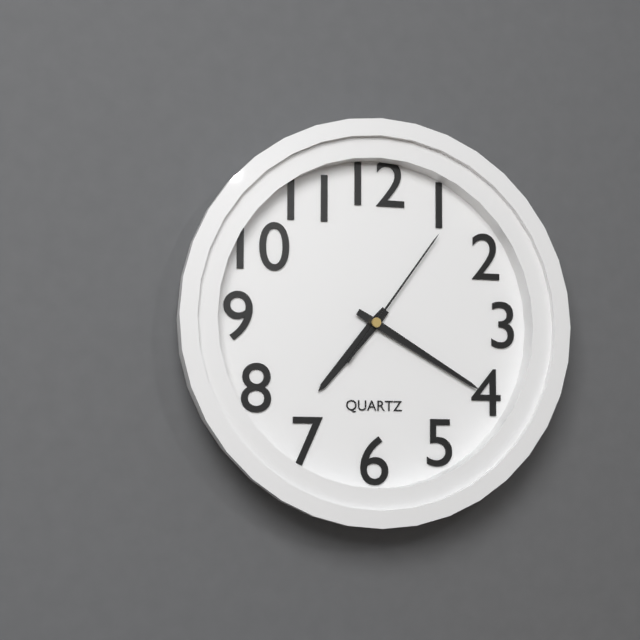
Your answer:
{"hour": 7, "minute": 20, "second": 6}
